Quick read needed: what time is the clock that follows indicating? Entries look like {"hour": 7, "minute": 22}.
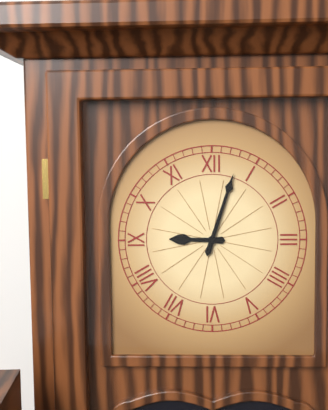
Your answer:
{"hour": 9, "minute": 3}
